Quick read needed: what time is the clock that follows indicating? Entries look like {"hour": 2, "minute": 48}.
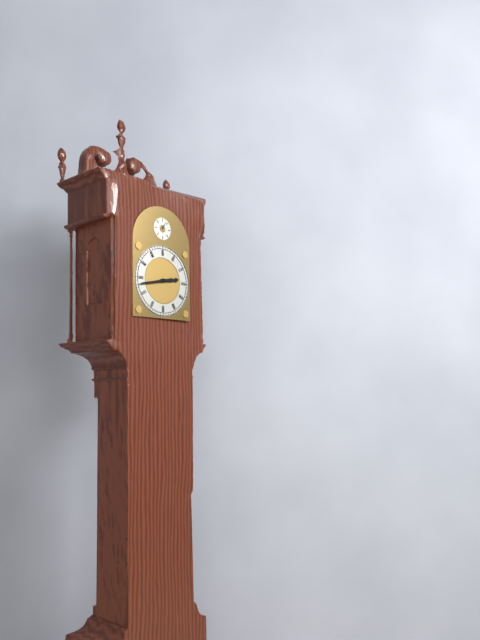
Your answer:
{"hour": 2, "minute": 43}
